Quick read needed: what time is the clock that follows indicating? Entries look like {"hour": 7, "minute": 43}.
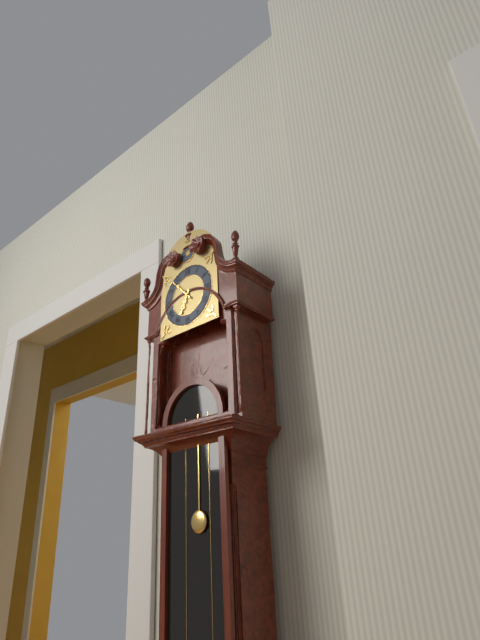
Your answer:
{"hour": 6, "minute": 53}
